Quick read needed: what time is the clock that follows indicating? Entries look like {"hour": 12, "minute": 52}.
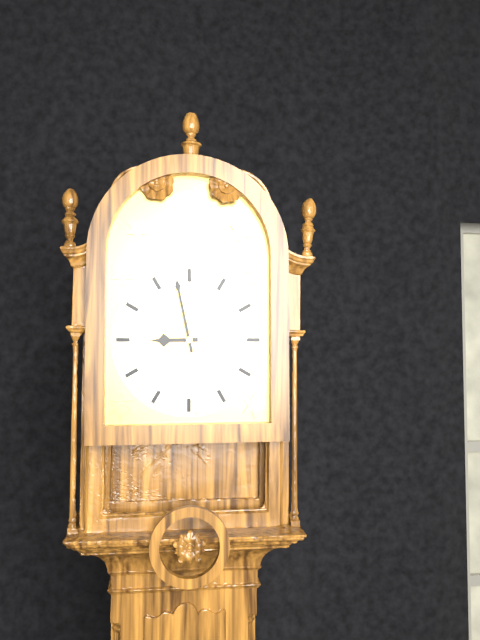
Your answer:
{"hour": 8, "minute": 58}
